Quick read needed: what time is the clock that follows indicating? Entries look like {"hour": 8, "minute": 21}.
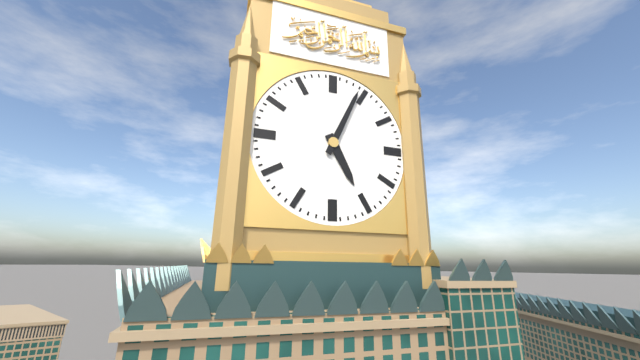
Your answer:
{"hour": 5, "minute": 4}
